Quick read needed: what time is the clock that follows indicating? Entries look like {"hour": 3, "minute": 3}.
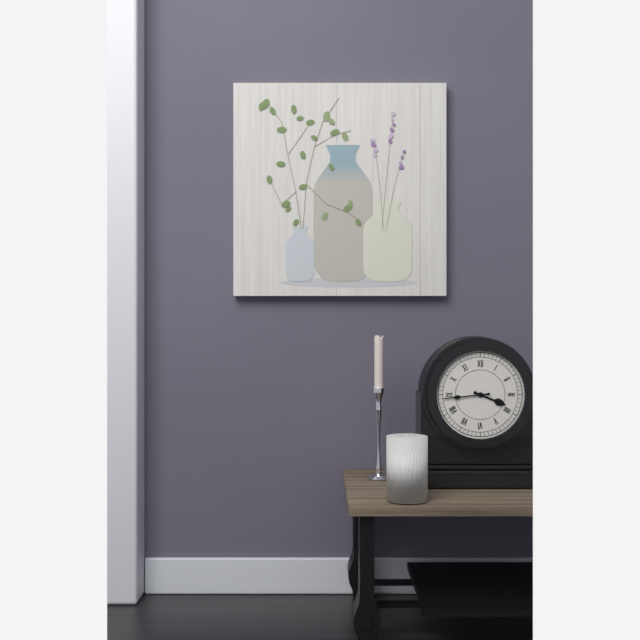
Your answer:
{"hour": 3, "minute": 44}
